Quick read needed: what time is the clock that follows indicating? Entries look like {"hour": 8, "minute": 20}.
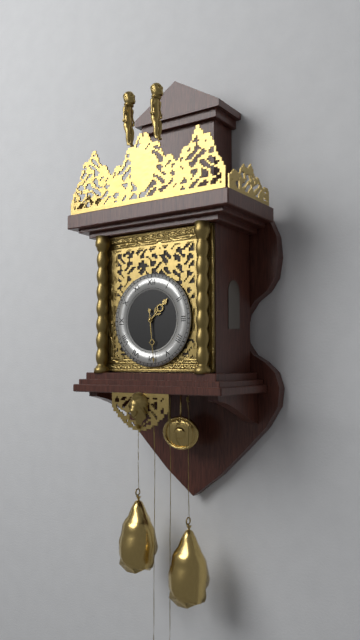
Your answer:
{"hour": 1, "minute": 29}
